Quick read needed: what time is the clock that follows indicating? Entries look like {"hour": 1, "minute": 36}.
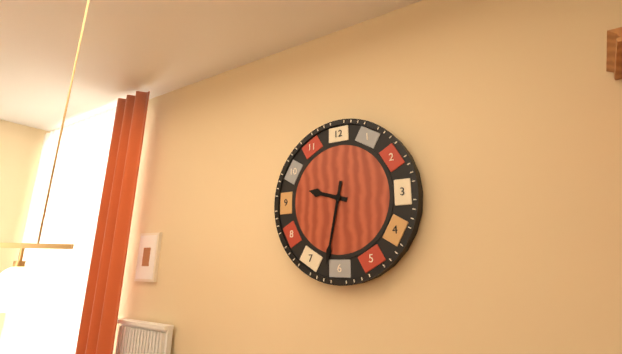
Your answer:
{"hour": 9, "minute": 32}
